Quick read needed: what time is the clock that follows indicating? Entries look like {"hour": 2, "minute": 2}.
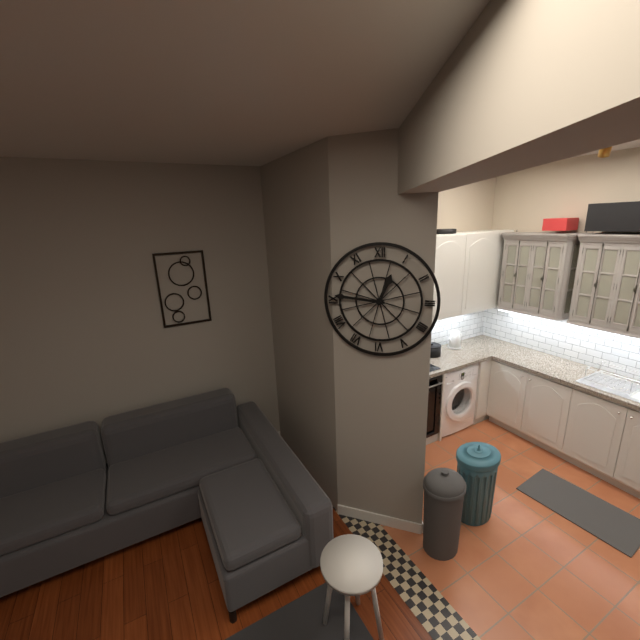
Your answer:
{"hour": 12, "minute": 46}
